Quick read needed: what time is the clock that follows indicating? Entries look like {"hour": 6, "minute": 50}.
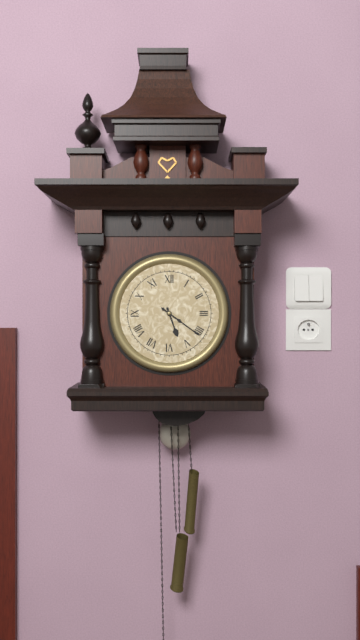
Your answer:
{"hour": 5, "minute": 21}
